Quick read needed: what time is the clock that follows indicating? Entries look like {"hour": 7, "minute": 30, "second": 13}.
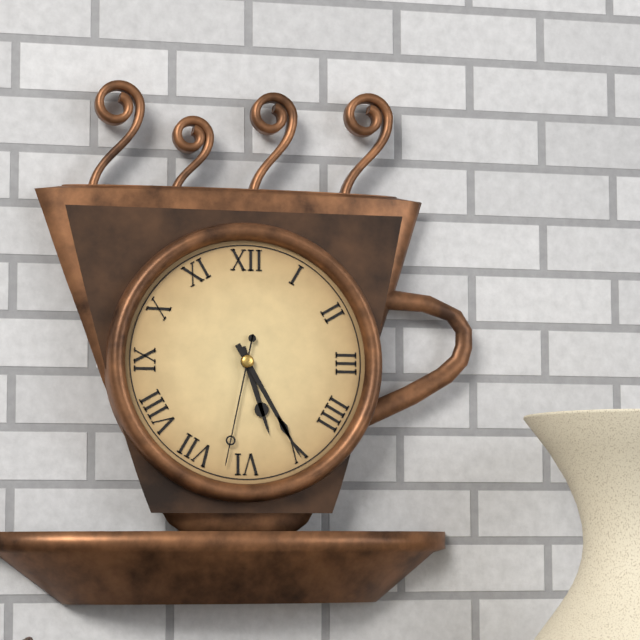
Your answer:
{"hour": 5, "minute": 25, "second": 32}
